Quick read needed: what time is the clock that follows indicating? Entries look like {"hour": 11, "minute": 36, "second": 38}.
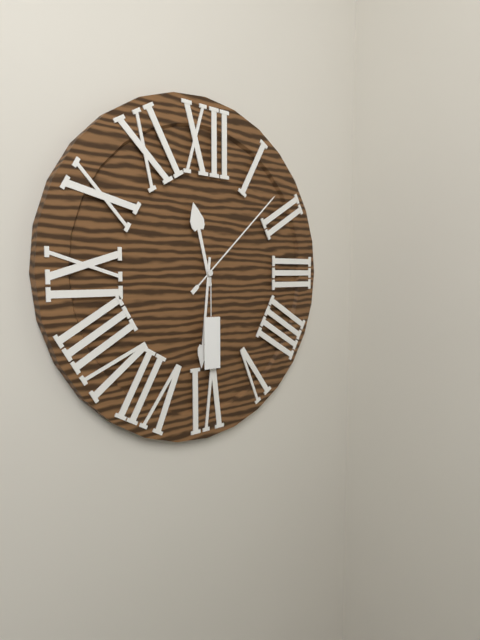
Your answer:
{"hour": 11, "minute": 31, "second": 8}
